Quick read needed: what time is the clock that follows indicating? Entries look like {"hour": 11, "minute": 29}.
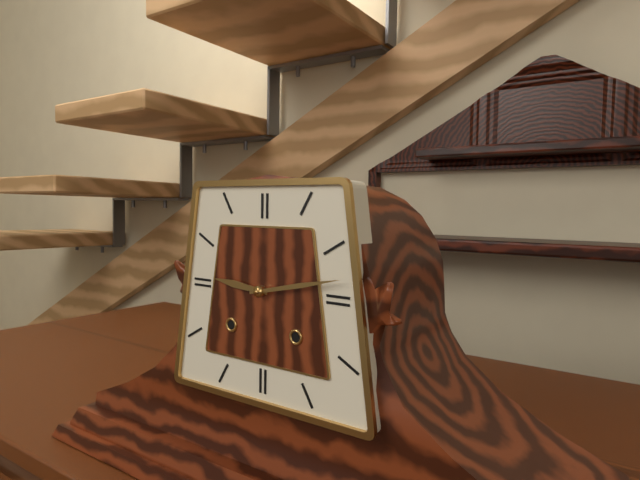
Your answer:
{"hour": 9, "minute": 13}
